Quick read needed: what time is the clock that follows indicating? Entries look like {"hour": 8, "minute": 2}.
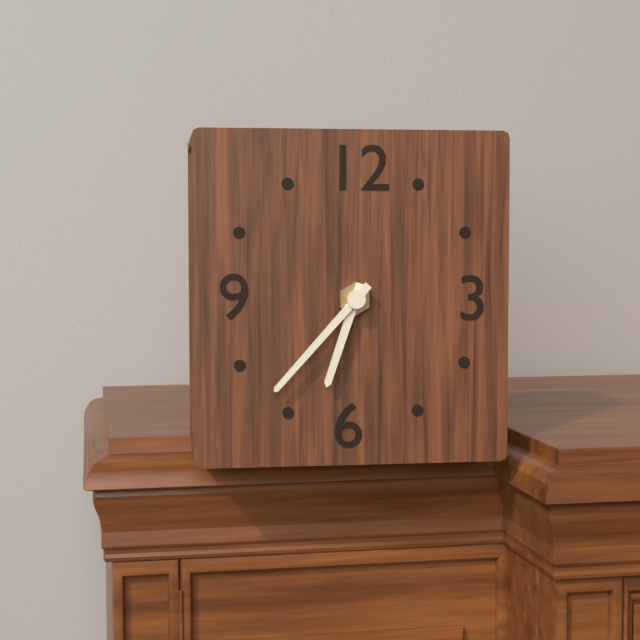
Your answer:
{"hour": 6, "minute": 37}
